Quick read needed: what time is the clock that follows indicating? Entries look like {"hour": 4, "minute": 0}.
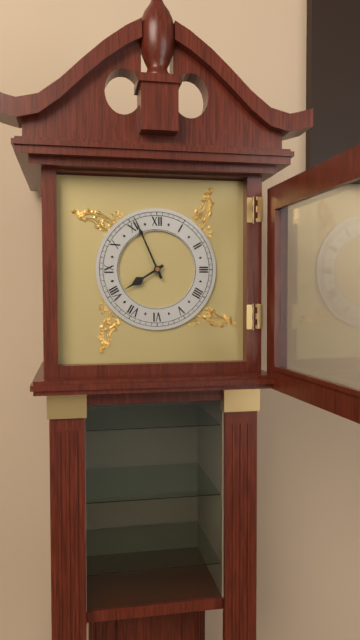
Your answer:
{"hour": 7, "minute": 56}
